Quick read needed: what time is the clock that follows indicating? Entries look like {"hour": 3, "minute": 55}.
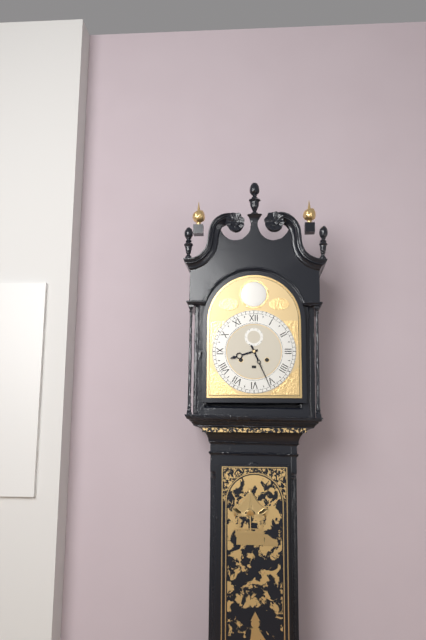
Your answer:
{"hour": 8, "minute": 26}
